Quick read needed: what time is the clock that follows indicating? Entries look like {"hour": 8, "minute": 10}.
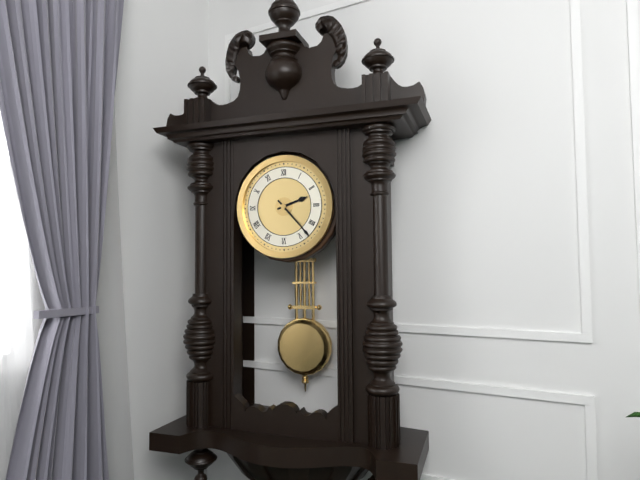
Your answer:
{"hour": 2, "minute": 23}
